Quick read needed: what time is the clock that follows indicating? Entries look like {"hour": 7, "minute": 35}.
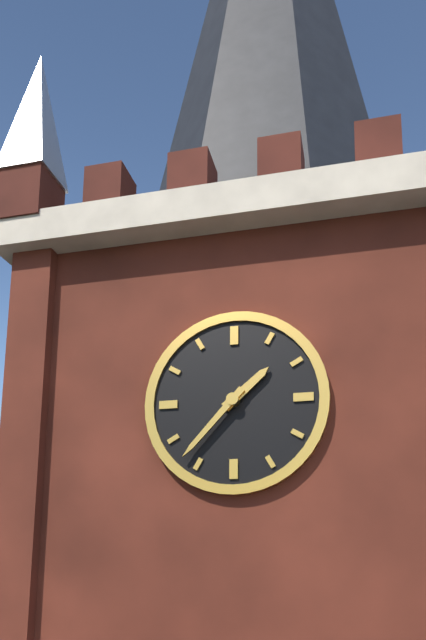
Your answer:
{"hour": 1, "minute": 37}
